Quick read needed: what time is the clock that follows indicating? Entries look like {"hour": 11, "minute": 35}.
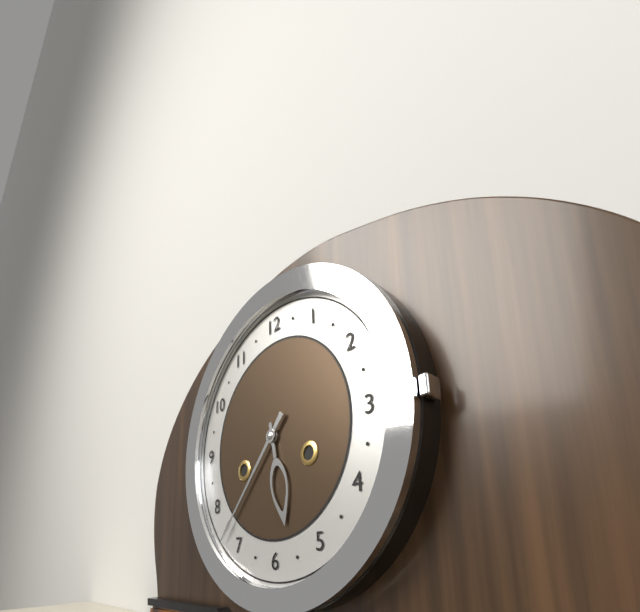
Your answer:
{"hour": 5, "minute": 37}
